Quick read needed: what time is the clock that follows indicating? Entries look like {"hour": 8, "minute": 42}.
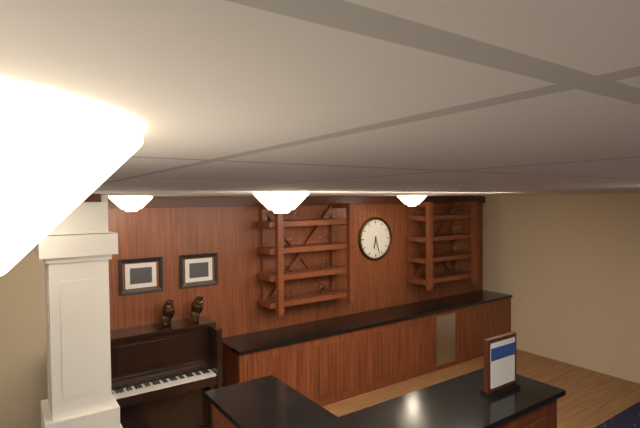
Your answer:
{"hour": 6, "minute": 27}
